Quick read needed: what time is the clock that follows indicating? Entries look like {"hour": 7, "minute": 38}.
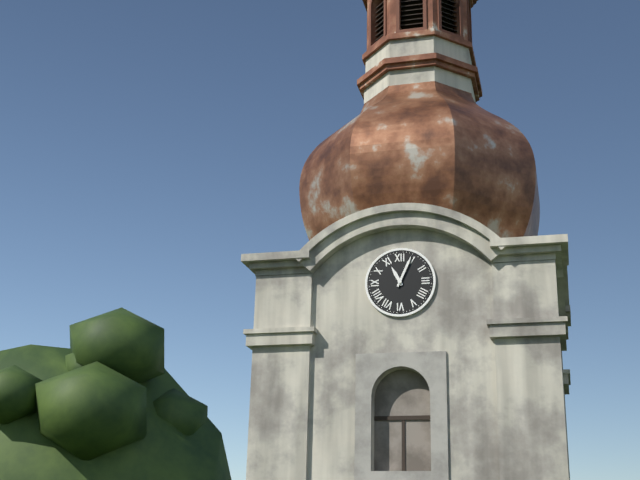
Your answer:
{"hour": 11, "minute": 4}
